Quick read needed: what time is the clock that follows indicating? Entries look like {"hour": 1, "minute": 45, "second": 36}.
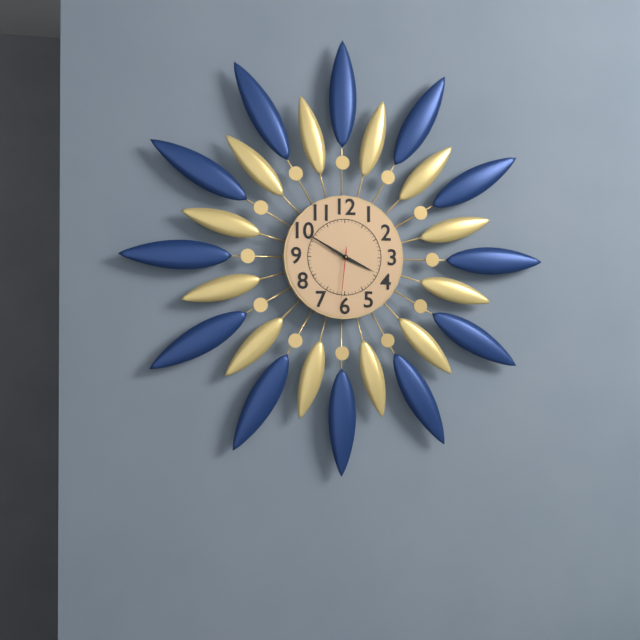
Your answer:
{"hour": 3, "minute": 50, "second": 31}
